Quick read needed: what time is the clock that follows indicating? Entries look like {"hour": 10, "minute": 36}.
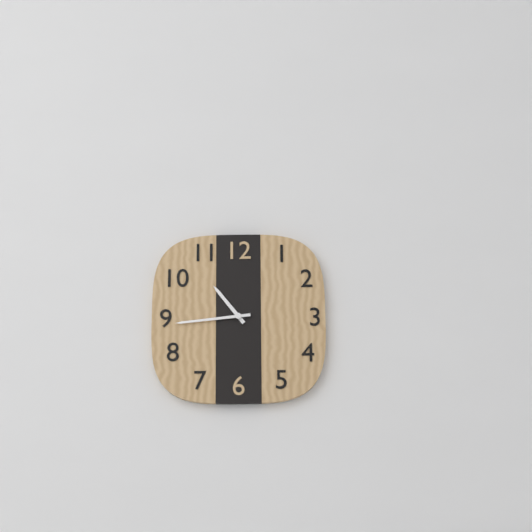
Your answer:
{"hour": 10, "minute": 44}
